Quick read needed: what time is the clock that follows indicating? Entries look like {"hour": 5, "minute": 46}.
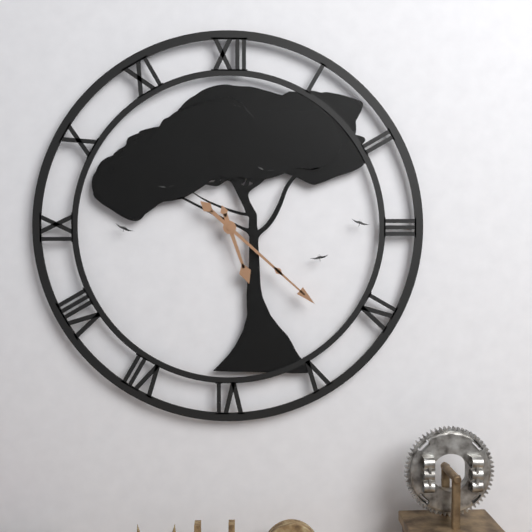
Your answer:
{"hour": 5, "minute": 22}
